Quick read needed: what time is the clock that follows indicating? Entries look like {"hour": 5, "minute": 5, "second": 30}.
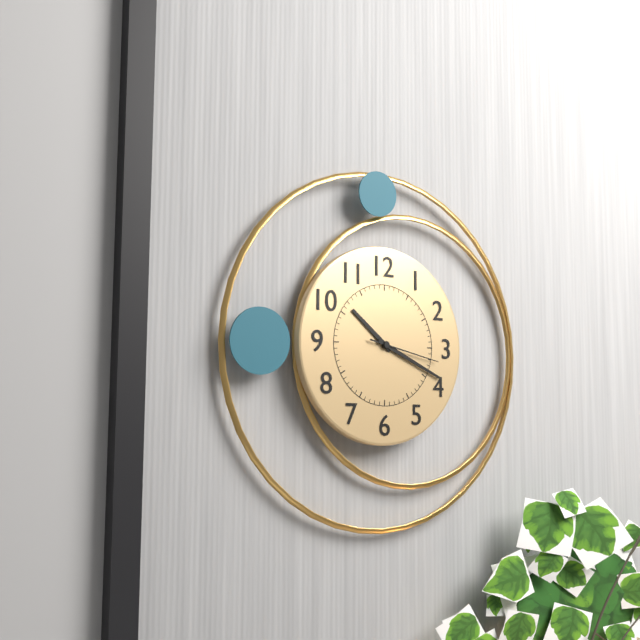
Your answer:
{"hour": 10, "minute": 19, "second": 17}
